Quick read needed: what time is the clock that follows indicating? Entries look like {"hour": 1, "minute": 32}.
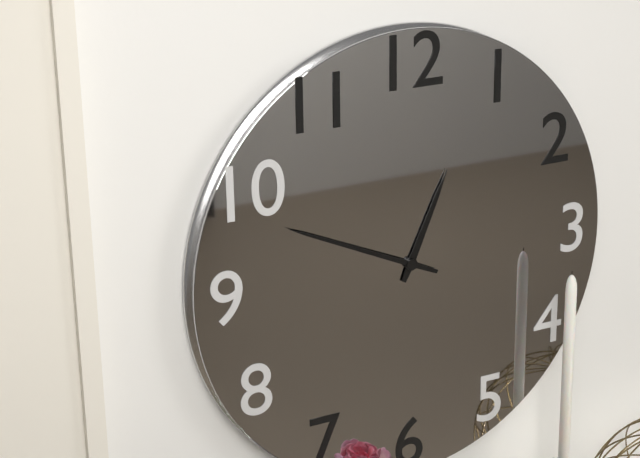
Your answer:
{"hour": 12, "minute": 49}
